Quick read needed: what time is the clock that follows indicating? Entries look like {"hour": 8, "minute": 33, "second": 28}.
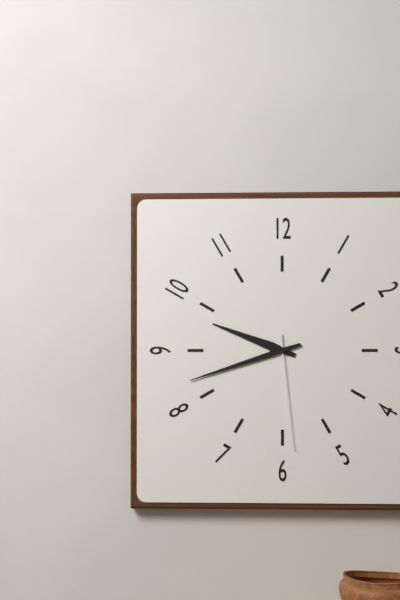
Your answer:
{"hour": 9, "minute": 42, "second": 29}
